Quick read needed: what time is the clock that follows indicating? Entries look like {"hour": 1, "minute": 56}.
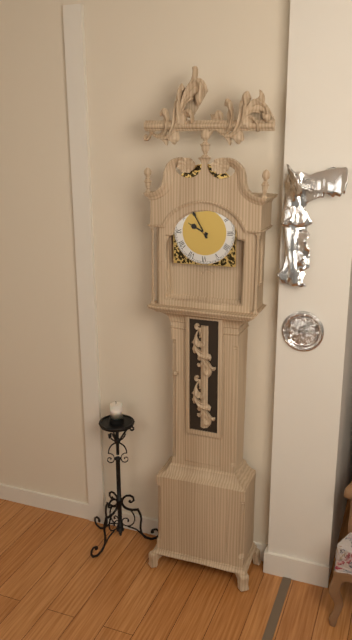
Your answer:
{"hour": 9, "minute": 55}
